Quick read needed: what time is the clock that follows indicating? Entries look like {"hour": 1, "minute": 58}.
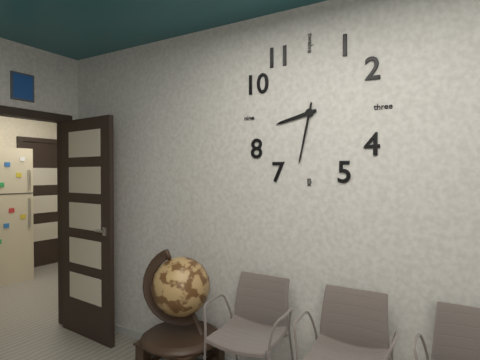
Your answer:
{"hour": 8, "minute": 32}
